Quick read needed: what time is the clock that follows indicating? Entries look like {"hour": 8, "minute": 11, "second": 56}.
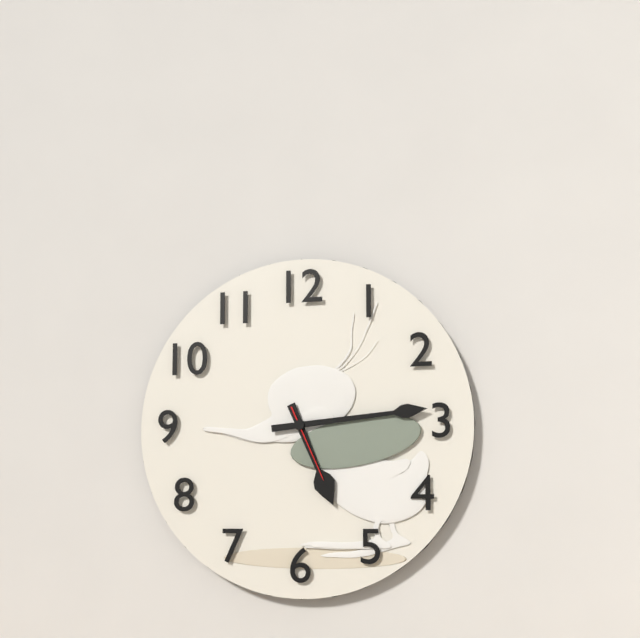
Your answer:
{"hour": 5, "minute": 14, "second": 26}
